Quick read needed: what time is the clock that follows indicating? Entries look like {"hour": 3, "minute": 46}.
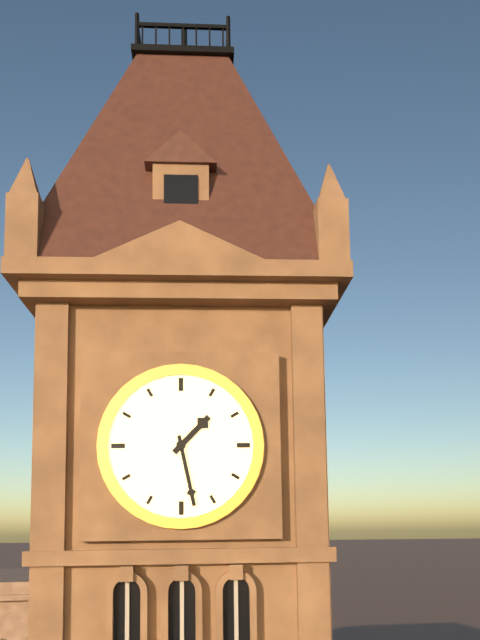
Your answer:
{"hour": 1, "minute": 28}
